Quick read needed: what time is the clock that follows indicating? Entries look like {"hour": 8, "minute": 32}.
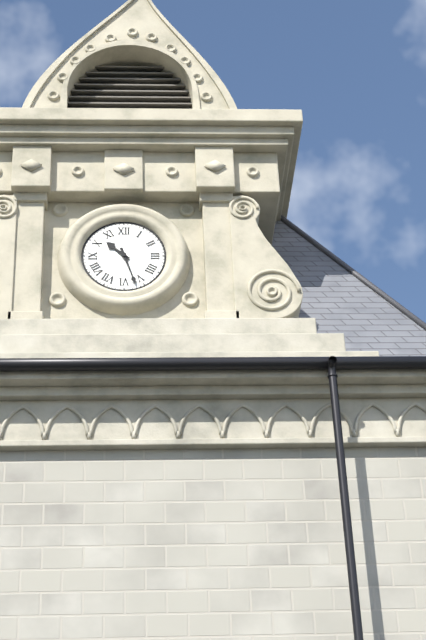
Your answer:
{"hour": 10, "minute": 27}
